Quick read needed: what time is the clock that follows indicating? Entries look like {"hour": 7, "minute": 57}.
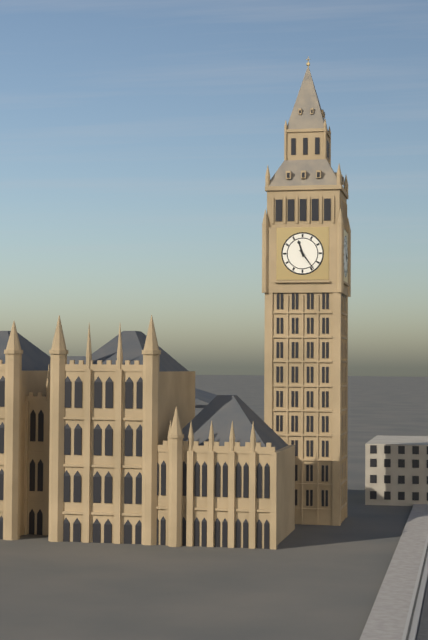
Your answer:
{"hour": 11, "minute": 24}
